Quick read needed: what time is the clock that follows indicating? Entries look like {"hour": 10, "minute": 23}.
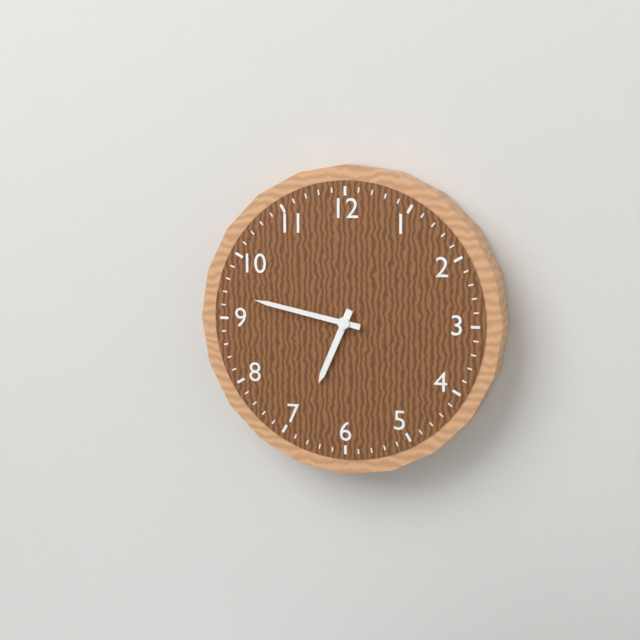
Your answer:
{"hour": 6, "minute": 47}
